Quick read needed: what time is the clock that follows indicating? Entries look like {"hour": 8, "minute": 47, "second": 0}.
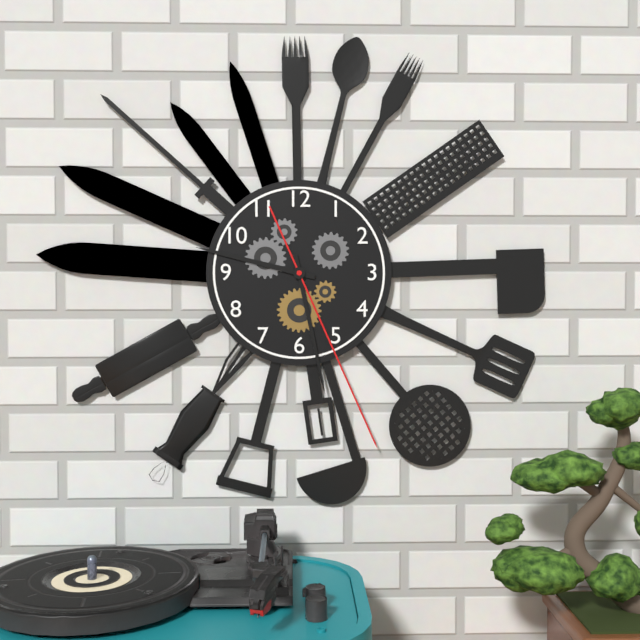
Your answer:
{"hour": 9, "minute": 28, "second": 26}
